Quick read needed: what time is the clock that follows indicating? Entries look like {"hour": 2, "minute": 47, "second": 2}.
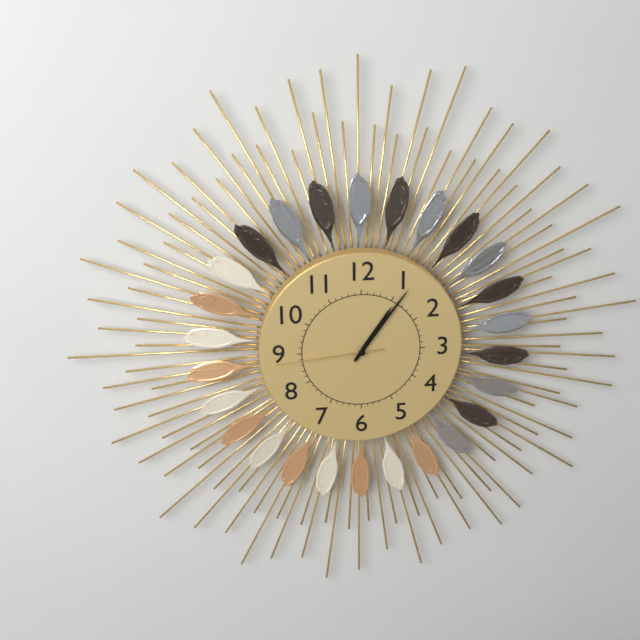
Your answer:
{"hour": 1, "minute": 6, "second": 44}
